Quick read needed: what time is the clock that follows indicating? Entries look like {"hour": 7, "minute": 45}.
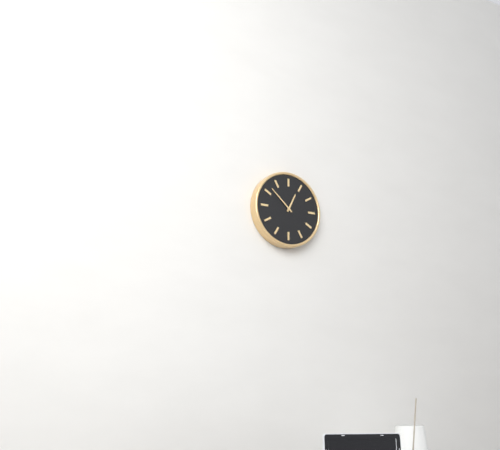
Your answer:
{"hour": 12, "minute": 52}
